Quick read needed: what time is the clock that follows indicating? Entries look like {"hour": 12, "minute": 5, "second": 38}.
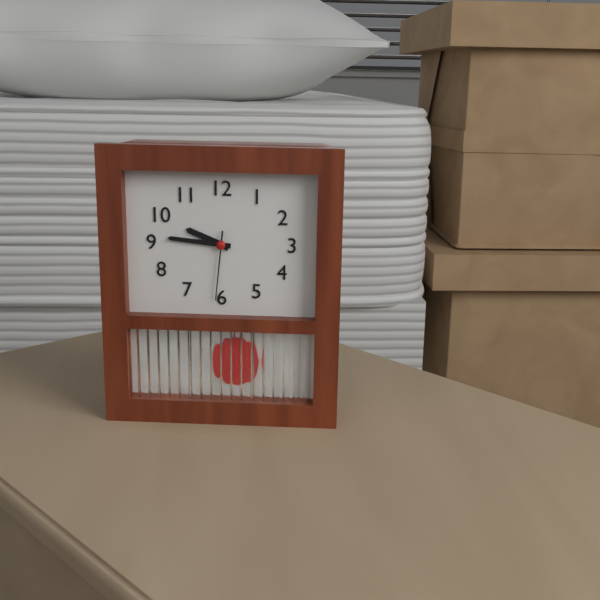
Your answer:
{"hour": 9, "minute": 46, "second": 31}
